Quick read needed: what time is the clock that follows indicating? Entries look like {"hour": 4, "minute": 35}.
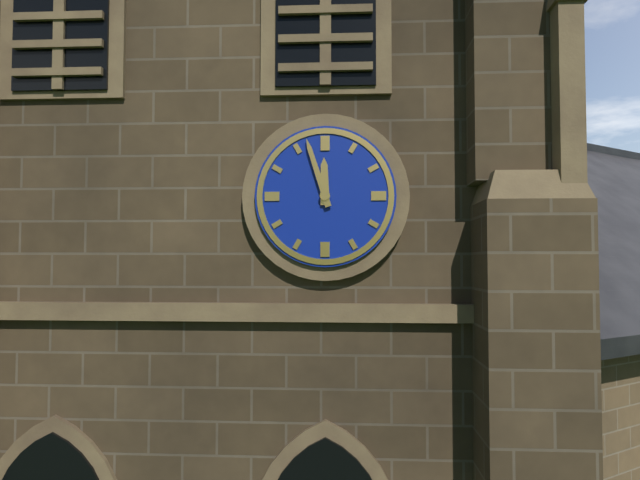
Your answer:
{"hour": 11, "minute": 57}
